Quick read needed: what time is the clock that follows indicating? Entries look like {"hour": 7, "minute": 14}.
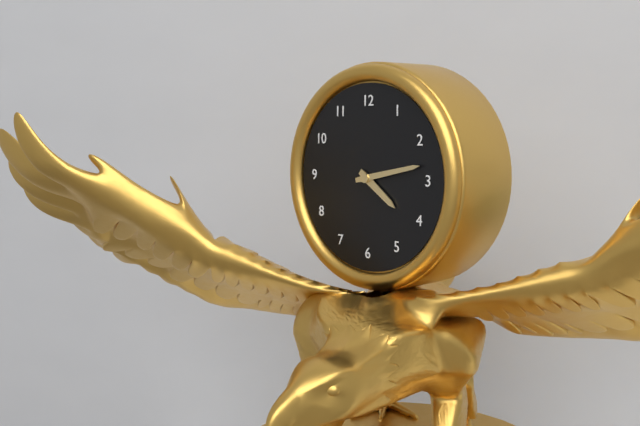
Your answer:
{"hour": 4, "minute": 13}
